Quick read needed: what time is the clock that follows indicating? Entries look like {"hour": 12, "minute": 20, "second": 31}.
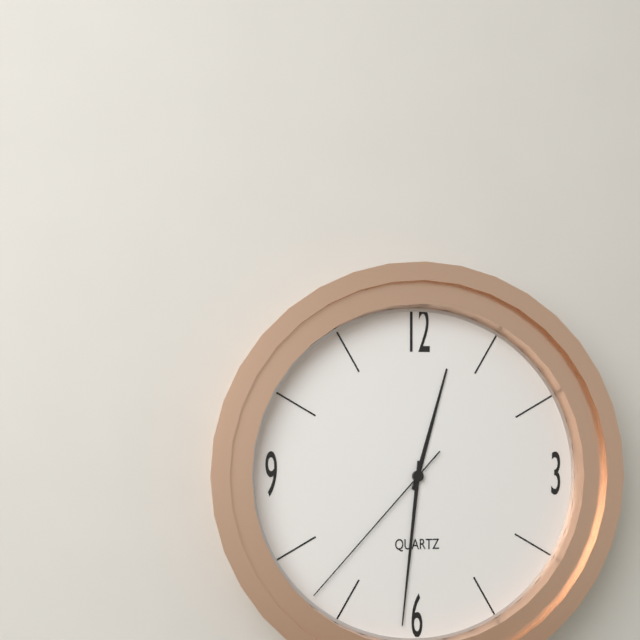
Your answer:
{"hour": 12, "minute": 31, "second": 37}
